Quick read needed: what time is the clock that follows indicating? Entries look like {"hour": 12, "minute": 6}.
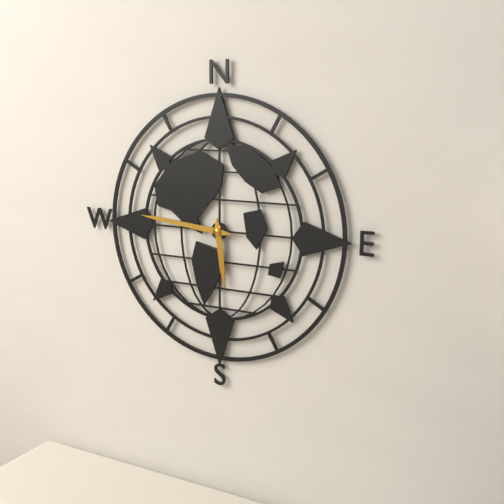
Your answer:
{"hour": 5, "minute": 46}
